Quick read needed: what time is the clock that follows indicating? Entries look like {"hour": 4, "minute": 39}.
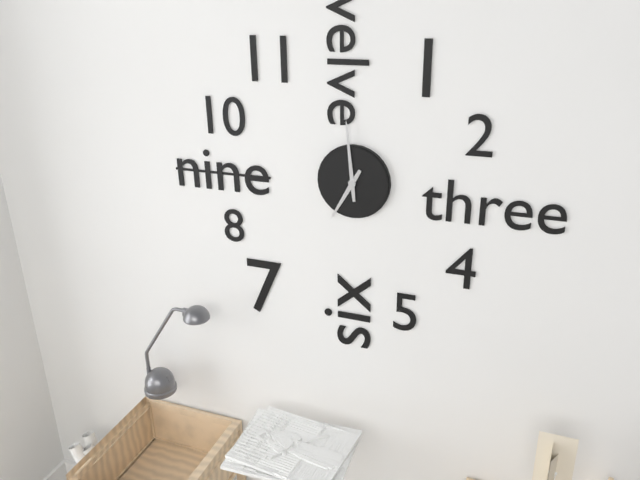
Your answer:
{"hour": 6, "minute": 59}
